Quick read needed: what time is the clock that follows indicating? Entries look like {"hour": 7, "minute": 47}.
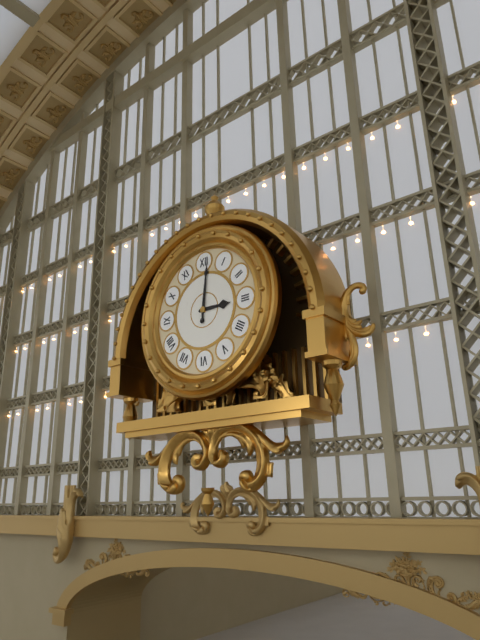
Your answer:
{"hour": 3, "minute": 1}
